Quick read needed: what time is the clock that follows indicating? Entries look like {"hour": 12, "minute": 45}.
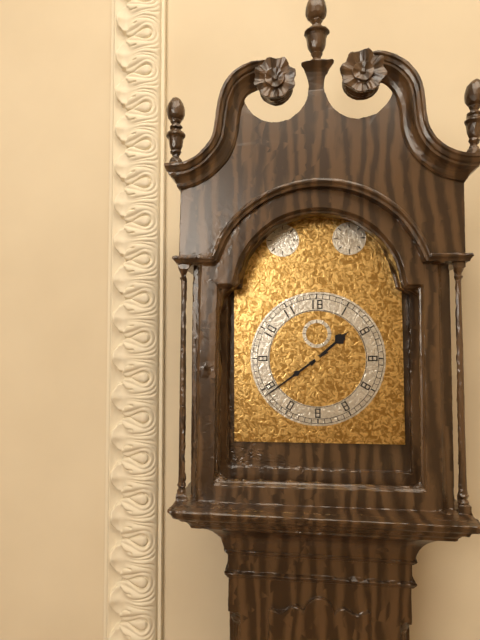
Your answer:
{"hour": 1, "minute": 39}
